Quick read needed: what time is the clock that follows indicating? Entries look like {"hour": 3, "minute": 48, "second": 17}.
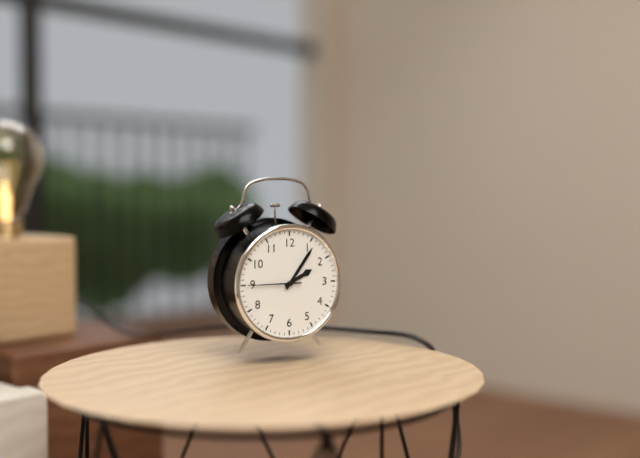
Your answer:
{"hour": 2, "minute": 6, "second": 45}
